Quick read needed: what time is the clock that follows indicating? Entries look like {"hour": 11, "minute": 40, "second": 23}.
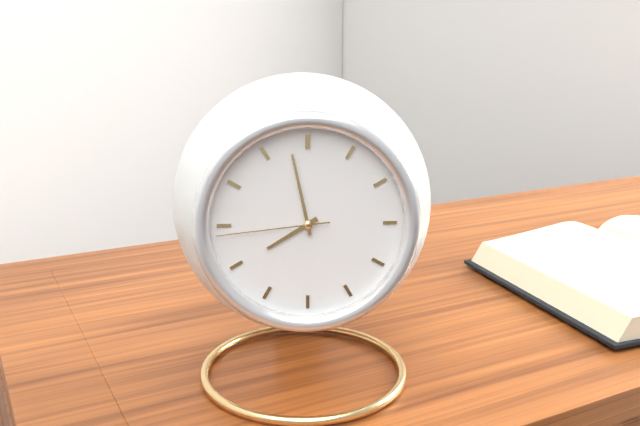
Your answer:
{"hour": 7, "minute": 58, "second": 44}
